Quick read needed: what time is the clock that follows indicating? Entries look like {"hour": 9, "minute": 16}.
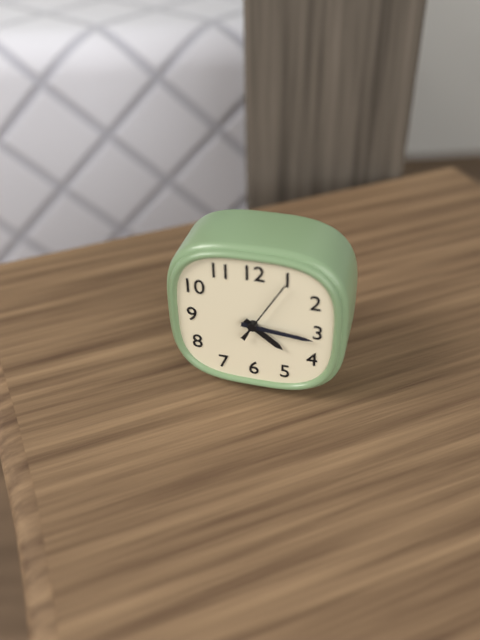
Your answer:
{"hour": 4, "minute": 16}
